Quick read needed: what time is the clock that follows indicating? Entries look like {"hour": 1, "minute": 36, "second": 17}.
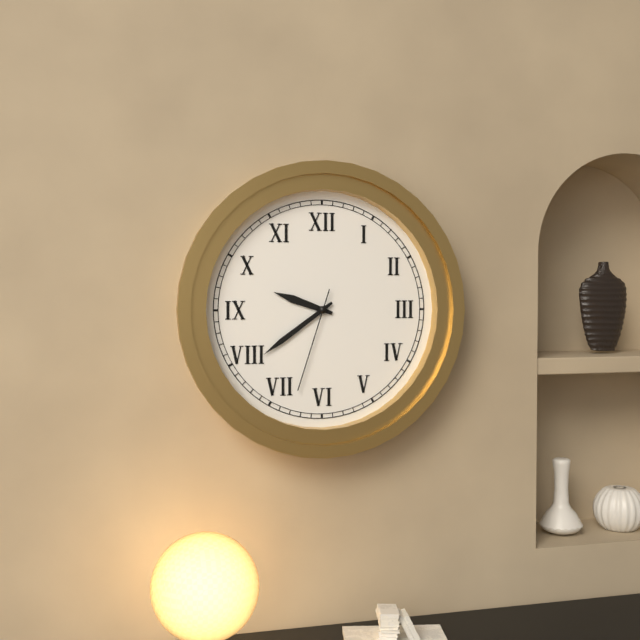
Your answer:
{"hour": 9, "minute": 39, "second": 33}
